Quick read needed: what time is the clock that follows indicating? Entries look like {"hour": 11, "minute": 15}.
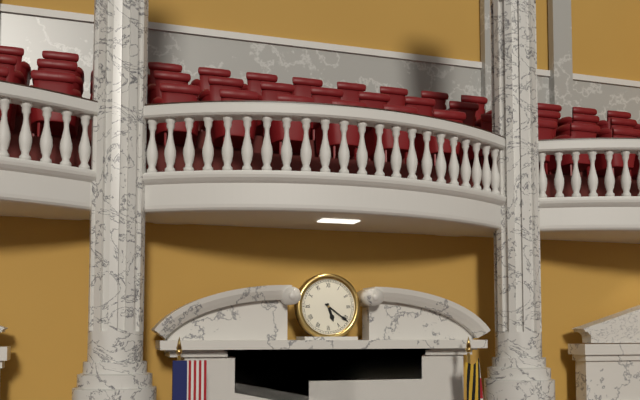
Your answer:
{"hour": 5, "minute": 21}
